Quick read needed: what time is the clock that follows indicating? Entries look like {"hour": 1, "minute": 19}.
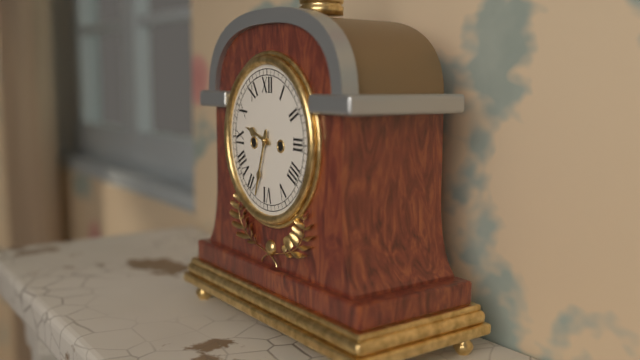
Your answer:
{"hour": 9, "minute": 33}
